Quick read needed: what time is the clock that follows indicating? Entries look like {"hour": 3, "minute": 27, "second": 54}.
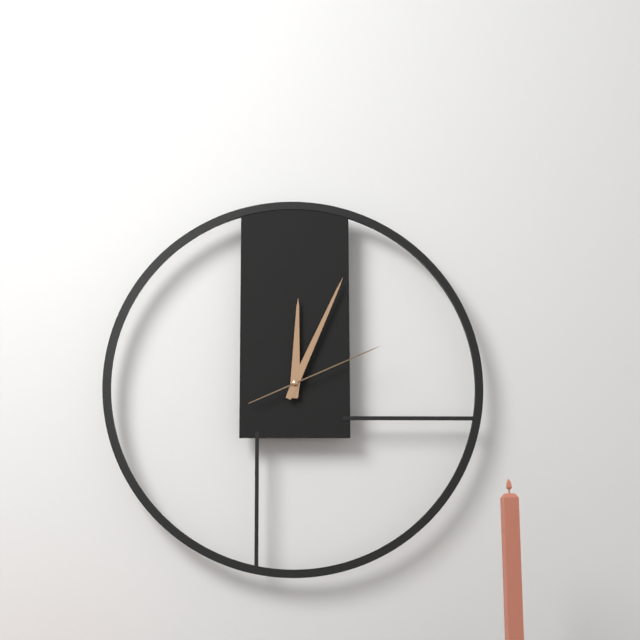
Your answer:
{"hour": 12, "minute": 4, "second": 11}
